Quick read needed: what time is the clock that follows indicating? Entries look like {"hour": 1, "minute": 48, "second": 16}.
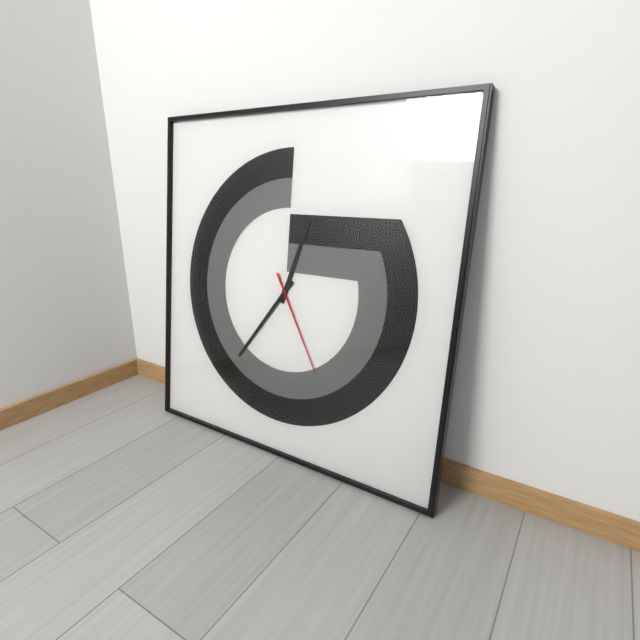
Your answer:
{"hour": 12, "minute": 36, "second": 25}
